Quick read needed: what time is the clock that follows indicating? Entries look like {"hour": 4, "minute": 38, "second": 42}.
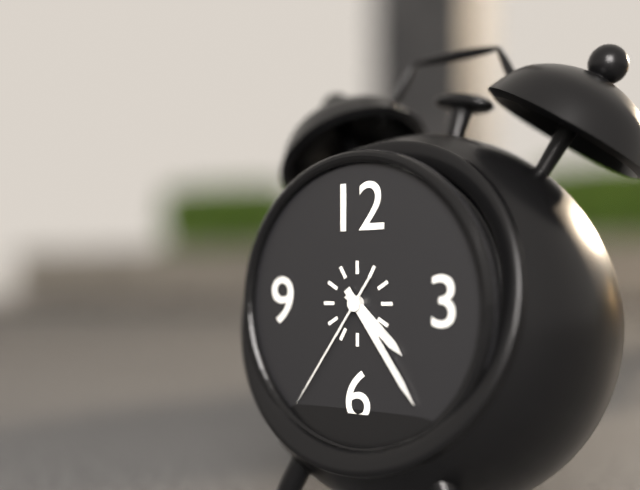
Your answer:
{"hour": 4, "minute": 24, "second": 36}
